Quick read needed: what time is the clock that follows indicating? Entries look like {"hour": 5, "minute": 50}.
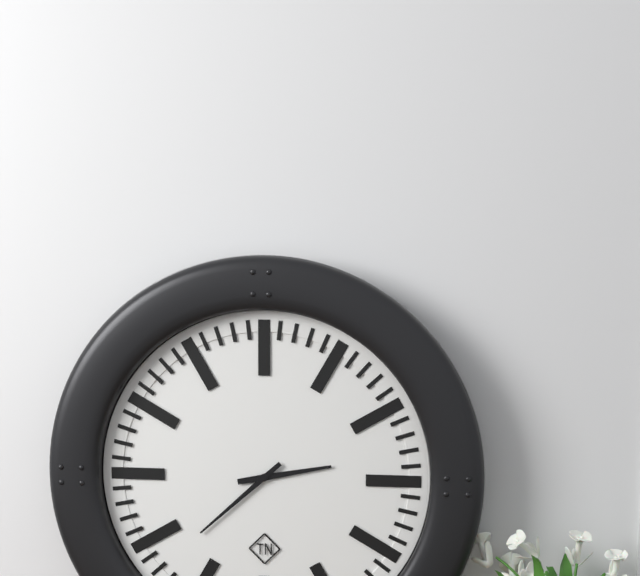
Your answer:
{"hour": 2, "minute": 38}
